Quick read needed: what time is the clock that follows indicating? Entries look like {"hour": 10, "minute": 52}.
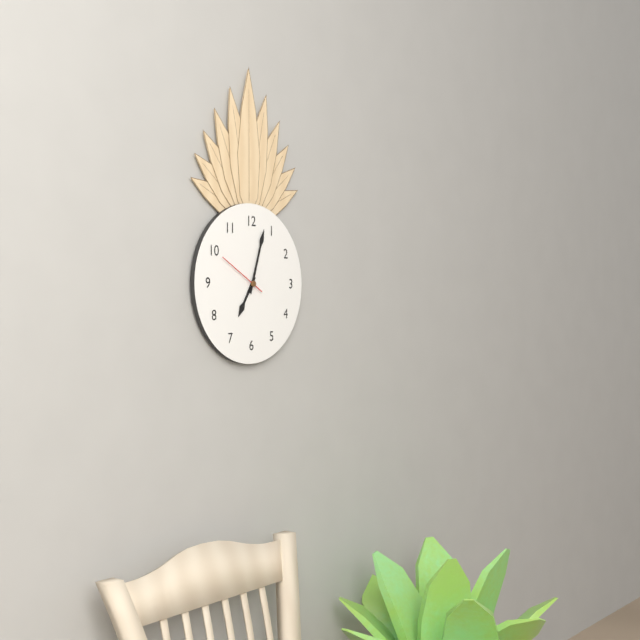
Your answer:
{"hour": 7, "minute": 3}
